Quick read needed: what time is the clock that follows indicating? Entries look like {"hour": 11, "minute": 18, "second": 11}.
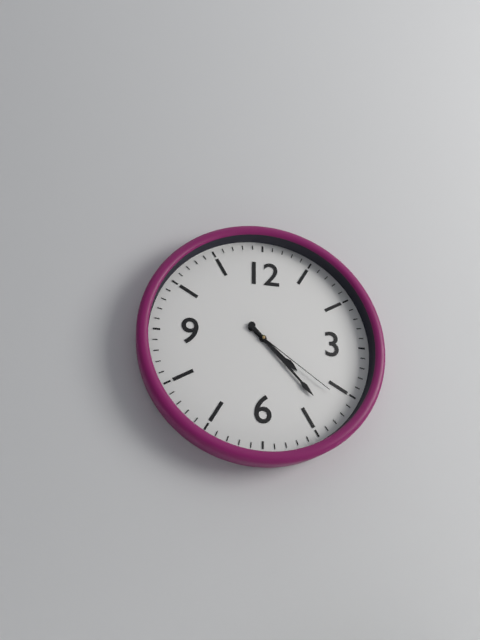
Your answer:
{"hour": 4, "minute": 23, "second": 21}
